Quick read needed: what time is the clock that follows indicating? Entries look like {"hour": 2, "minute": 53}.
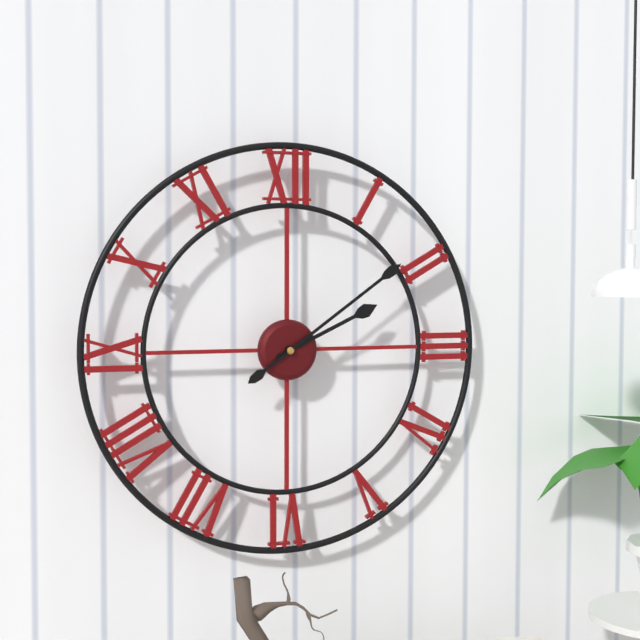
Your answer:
{"hour": 2, "minute": 9}
